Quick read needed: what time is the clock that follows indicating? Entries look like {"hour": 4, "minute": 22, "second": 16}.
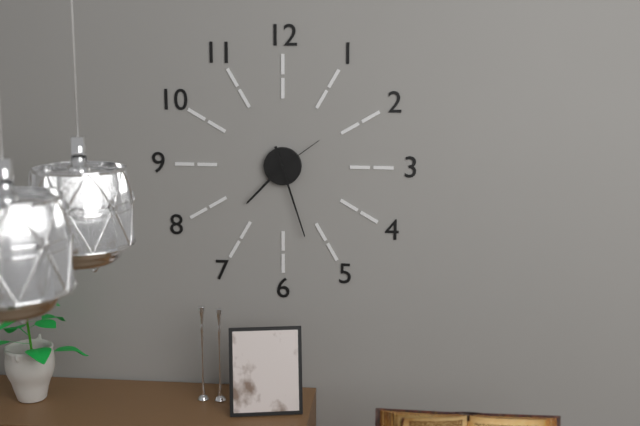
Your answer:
{"hour": 7, "minute": 27, "second": 9}
